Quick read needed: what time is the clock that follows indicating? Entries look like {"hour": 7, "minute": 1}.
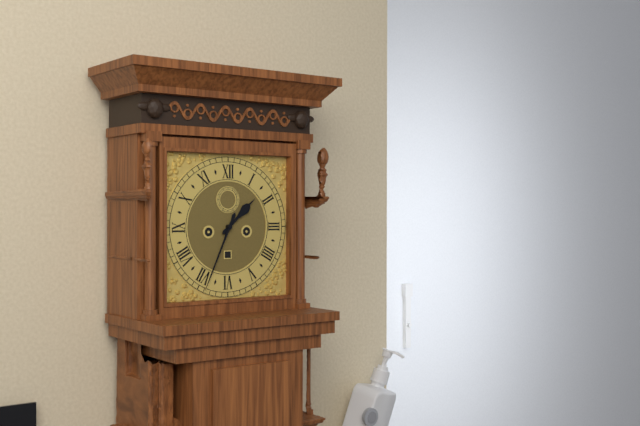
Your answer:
{"hour": 1, "minute": 34}
